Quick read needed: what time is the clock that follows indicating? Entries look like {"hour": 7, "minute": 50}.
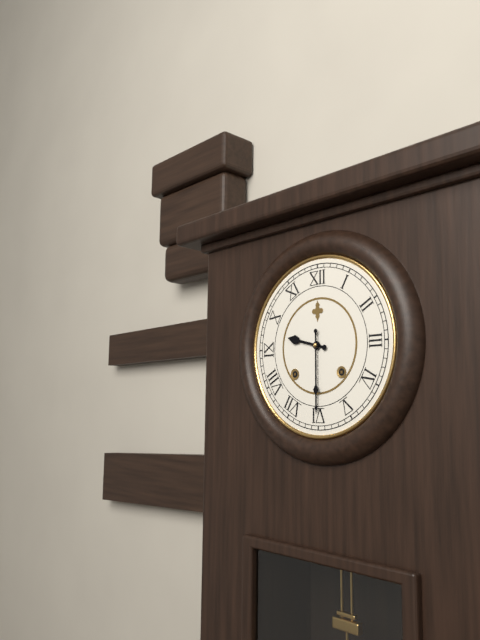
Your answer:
{"hour": 9, "minute": 30}
